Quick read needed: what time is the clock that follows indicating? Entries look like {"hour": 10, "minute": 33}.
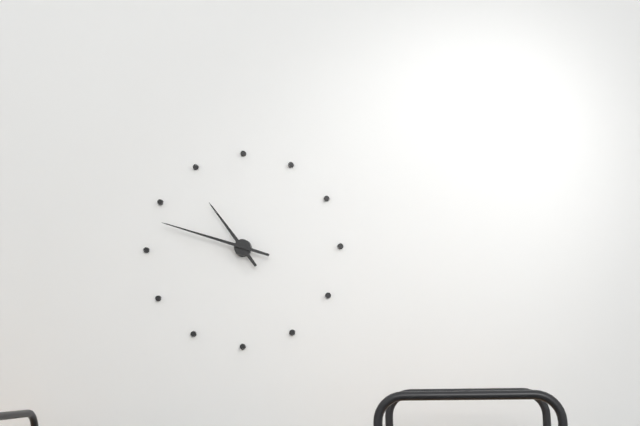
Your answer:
{"hour": 10, "minute": 48}
